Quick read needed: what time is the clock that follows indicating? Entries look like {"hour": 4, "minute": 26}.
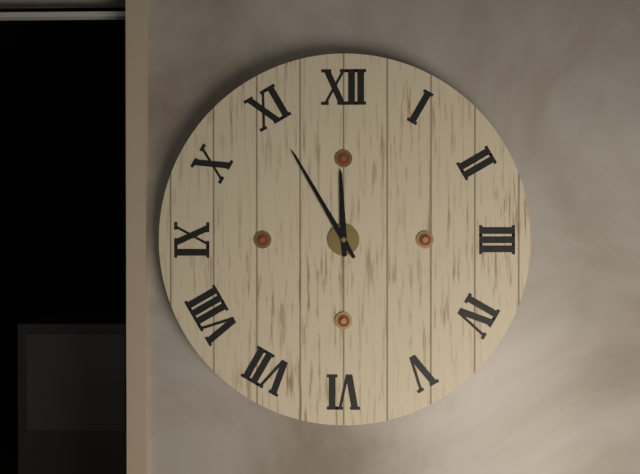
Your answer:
{"hour": 11, "minute": 55}
